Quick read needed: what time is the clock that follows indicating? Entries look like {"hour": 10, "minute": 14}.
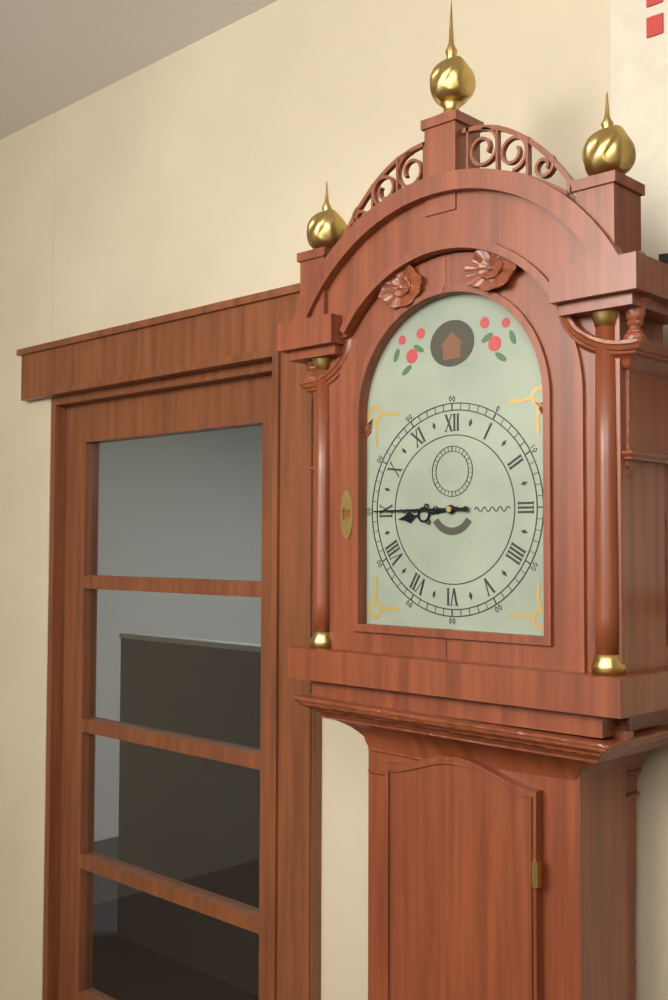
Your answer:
{"hour": 8, "minute": 45}
